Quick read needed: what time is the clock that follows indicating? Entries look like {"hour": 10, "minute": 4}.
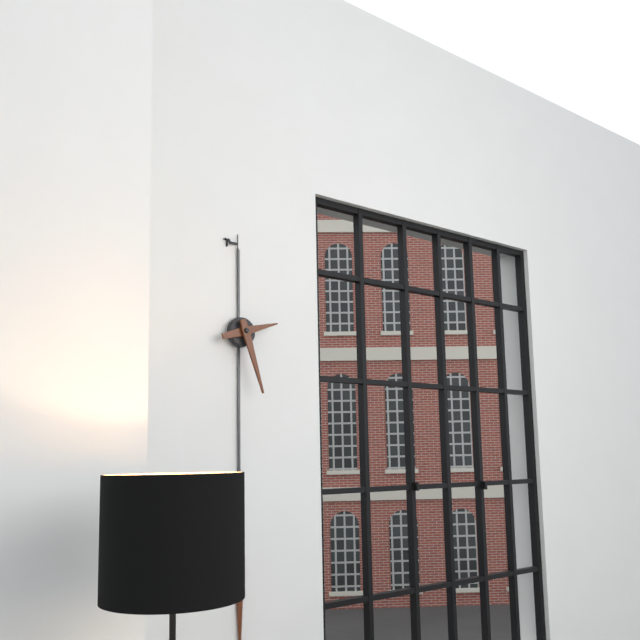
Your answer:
{"hour": 2, "minute": 27}
